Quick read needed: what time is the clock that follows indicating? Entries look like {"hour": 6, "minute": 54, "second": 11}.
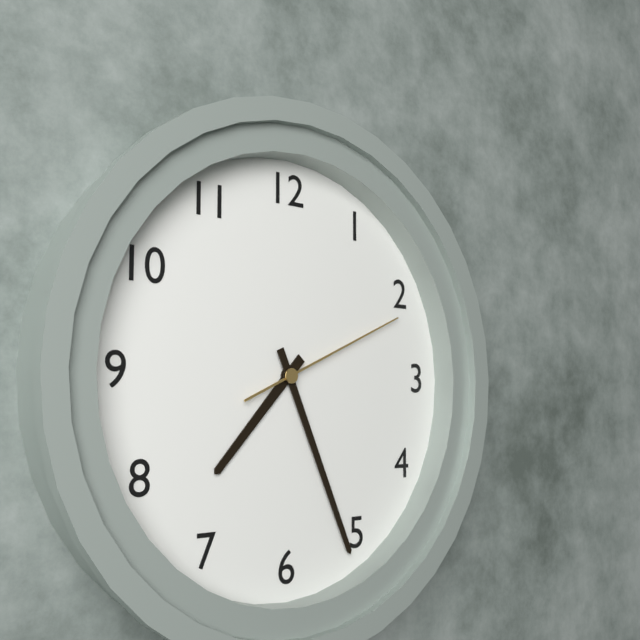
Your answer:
{"hour": 7, "minute": 26, "second": 11}
